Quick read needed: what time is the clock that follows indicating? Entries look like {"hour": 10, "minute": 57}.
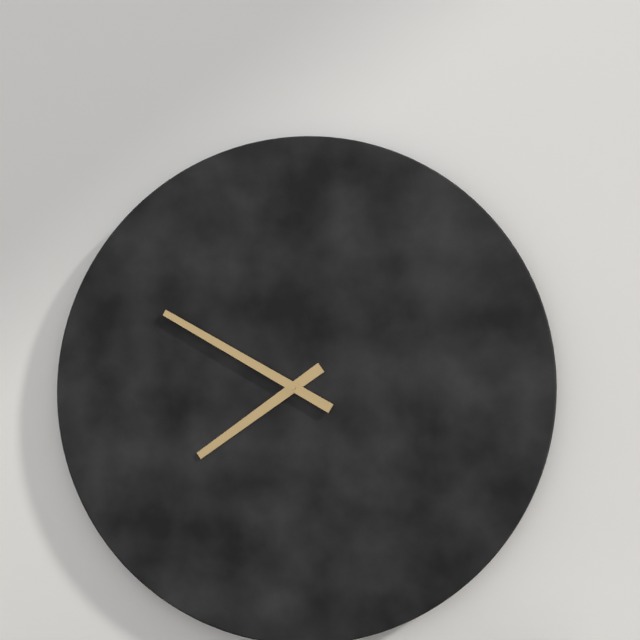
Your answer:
{"hour": 7, "minute": 50}
